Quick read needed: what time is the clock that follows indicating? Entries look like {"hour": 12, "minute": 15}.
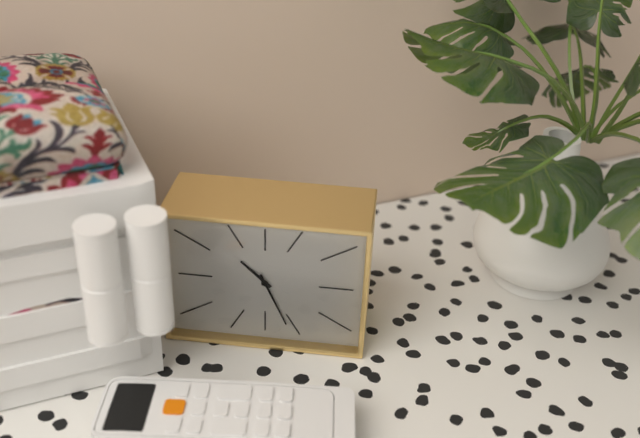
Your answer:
{"hour": 10, "minute": 26}
